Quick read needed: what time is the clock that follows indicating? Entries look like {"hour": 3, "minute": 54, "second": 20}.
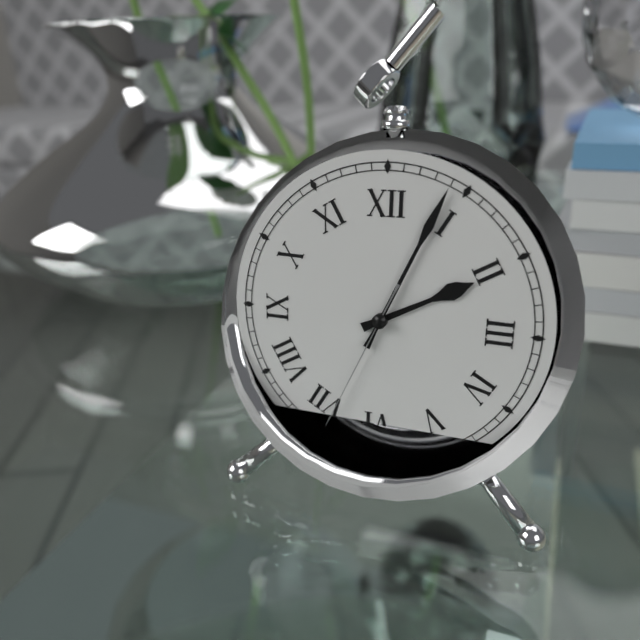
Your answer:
{"hour": 2, "minute": 4, "second": 34}
